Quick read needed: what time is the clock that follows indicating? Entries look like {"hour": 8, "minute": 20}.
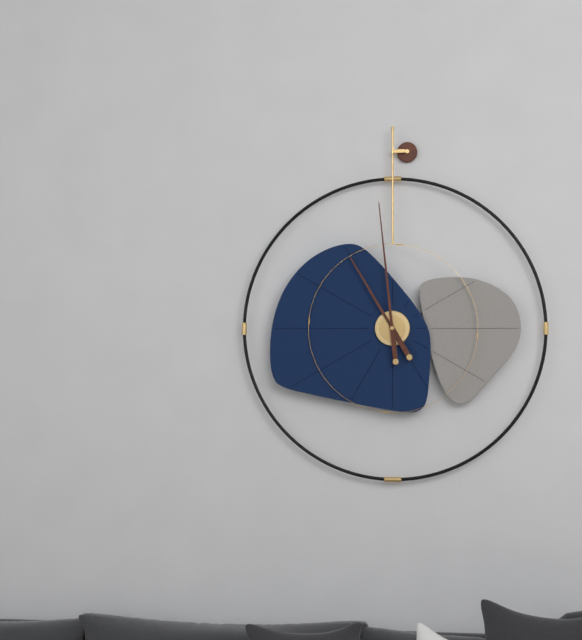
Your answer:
{"hour": 10, "minute": 59}
